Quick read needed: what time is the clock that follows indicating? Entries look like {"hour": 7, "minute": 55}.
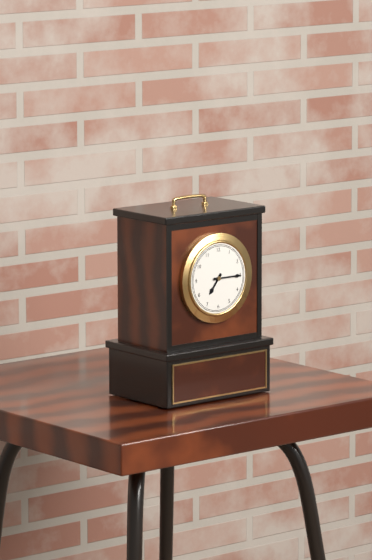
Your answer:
{"hour": 7, "minute": 15}
